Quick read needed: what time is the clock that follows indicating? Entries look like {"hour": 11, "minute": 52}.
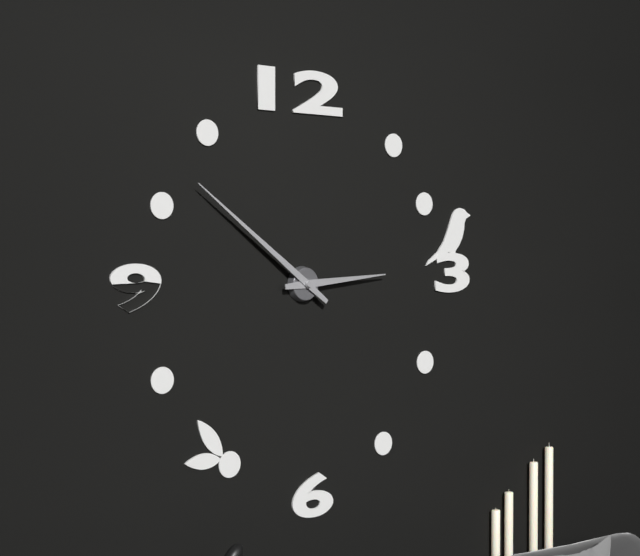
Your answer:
{"hour": 2, "minute": 51}
